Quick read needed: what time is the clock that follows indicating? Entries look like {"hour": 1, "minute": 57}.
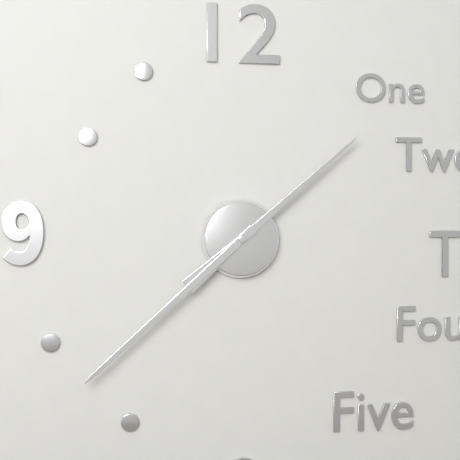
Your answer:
{"hour": 1, "minute": 38}
